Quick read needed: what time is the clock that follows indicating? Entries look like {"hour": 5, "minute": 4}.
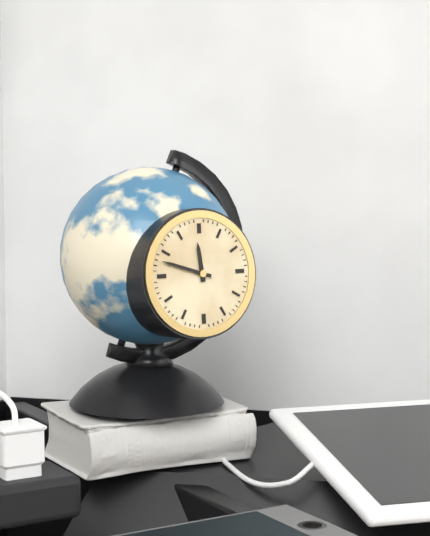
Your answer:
{"hour": 11, "minute": 48}
